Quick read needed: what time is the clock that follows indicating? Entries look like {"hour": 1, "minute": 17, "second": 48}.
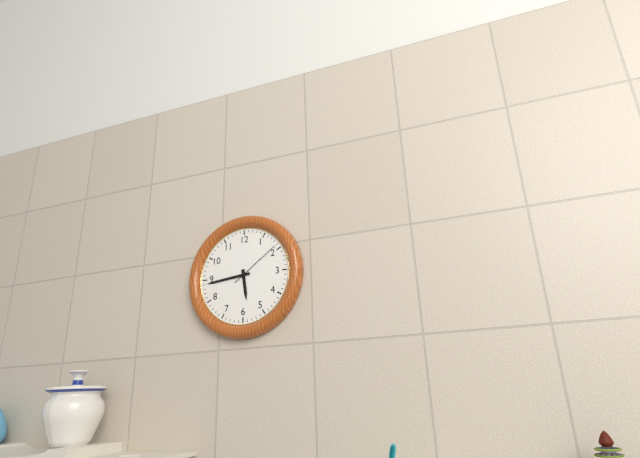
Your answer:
{"hour": 5, "minute": 44, "second": 9}
